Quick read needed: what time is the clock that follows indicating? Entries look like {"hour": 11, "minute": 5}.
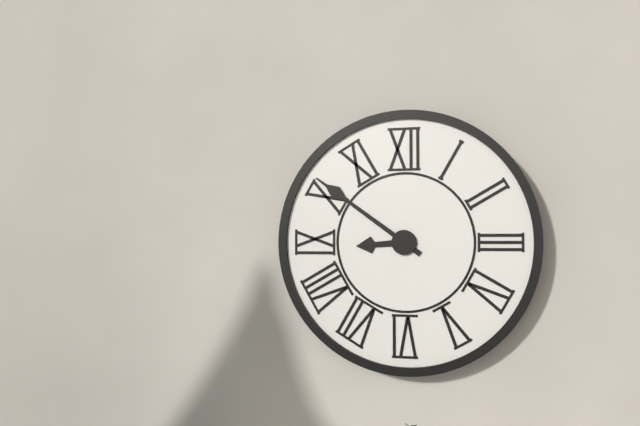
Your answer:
{"hour": 8, "minute": 51}
